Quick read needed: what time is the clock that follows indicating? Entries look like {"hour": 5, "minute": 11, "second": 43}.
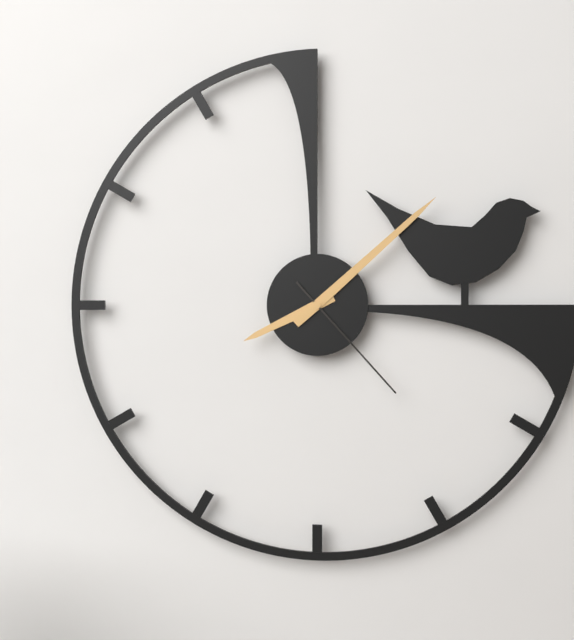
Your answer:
{"hour": 8, "minute": 8, "second": 23}
